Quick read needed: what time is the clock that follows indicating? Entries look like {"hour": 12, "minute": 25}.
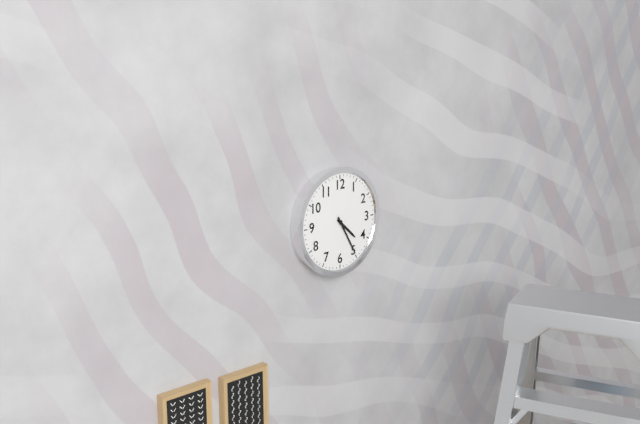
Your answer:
{"hour": 4, "minute": 25}
